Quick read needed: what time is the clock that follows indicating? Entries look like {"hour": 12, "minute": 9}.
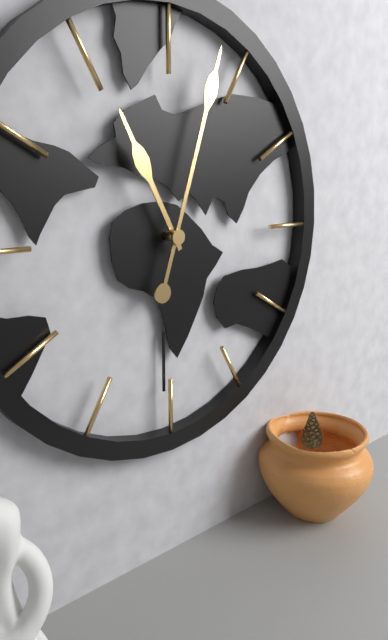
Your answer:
{"hour": 11, "minute": 3}
